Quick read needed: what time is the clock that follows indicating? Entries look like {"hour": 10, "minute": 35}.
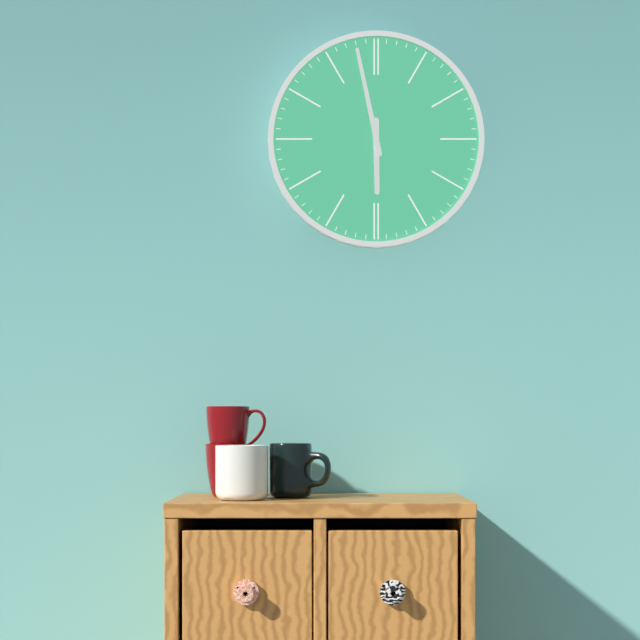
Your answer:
{"hour": 5, "minute": 58}
